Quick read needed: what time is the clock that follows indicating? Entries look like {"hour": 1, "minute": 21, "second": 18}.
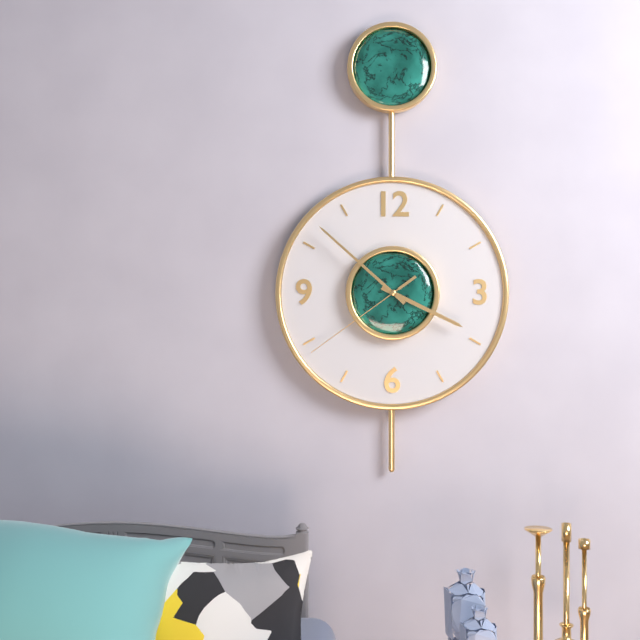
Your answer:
{"hour": 3, "minute": 52, "second": 39}
